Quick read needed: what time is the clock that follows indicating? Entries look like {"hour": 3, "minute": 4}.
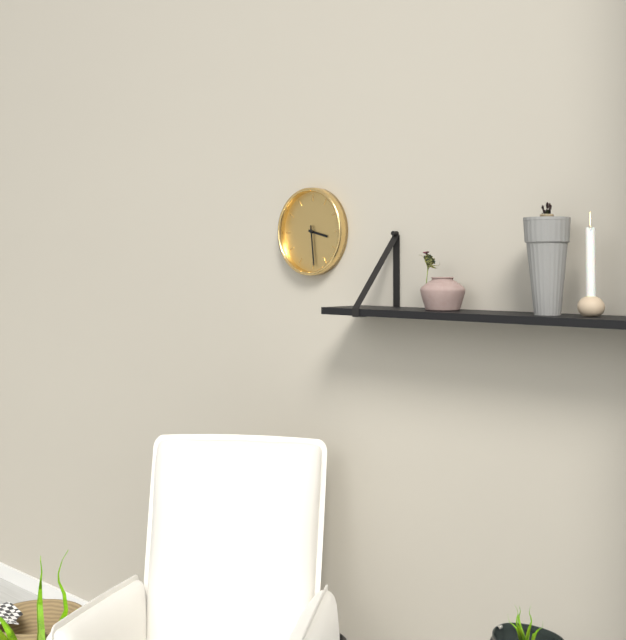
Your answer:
{"hour": 3, "minute": 29}
